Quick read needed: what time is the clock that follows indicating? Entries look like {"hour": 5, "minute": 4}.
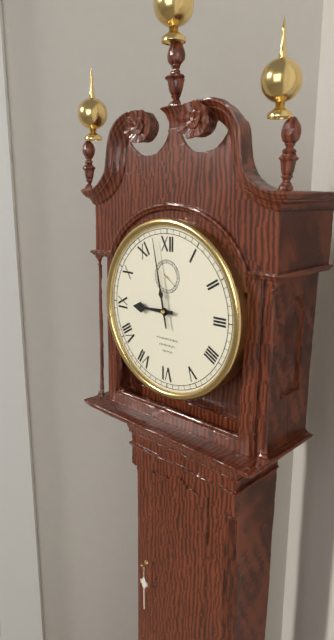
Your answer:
{"hour": 8, "minute": 58}
